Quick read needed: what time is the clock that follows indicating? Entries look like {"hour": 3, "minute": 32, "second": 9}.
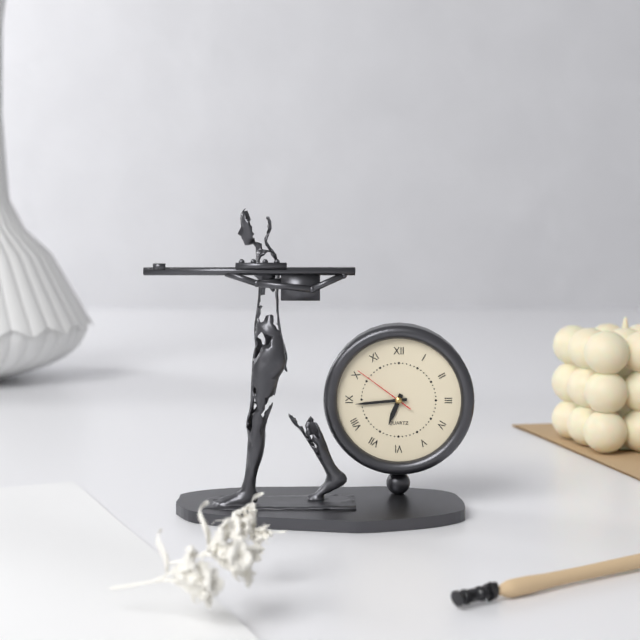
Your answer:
{"hour": 6, "minute": 44, "second": 51}
